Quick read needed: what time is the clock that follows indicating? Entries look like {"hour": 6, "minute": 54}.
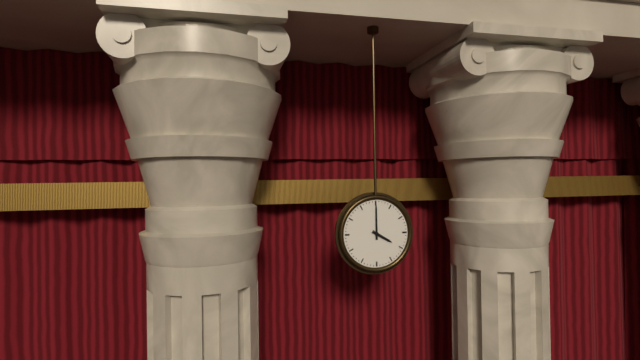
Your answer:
{"hour": 4, "minute": 0}
